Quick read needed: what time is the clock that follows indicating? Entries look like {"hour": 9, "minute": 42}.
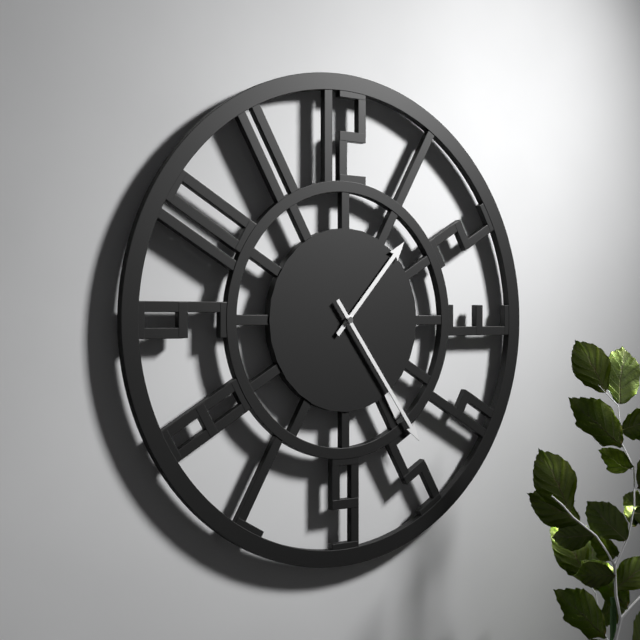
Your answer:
{"hour": 1, "minute": 24}
